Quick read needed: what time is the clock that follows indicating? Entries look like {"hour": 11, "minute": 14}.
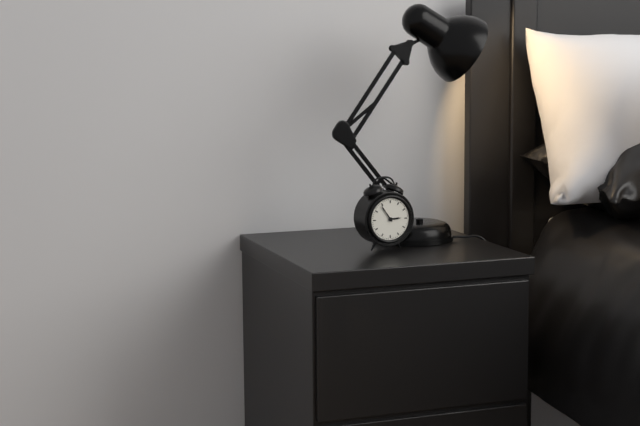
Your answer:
{"hour": 2, "minute": 54}
